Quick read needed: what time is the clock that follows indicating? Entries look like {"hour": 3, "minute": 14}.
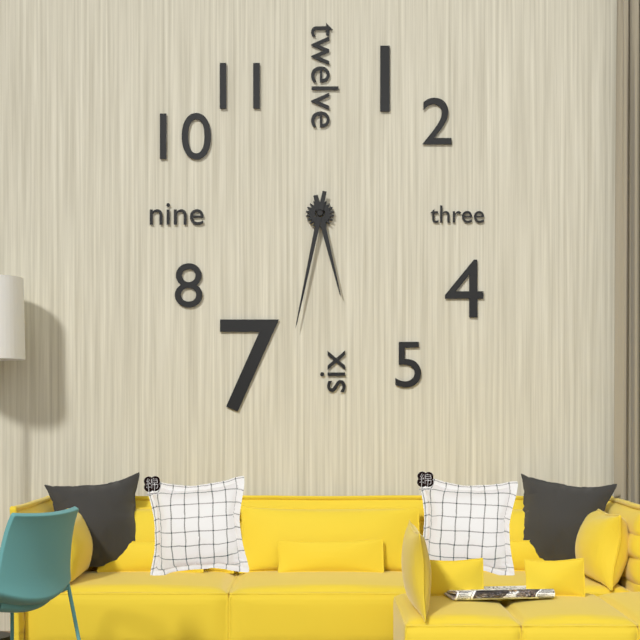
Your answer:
{"hour": 5, "minute": 32}
